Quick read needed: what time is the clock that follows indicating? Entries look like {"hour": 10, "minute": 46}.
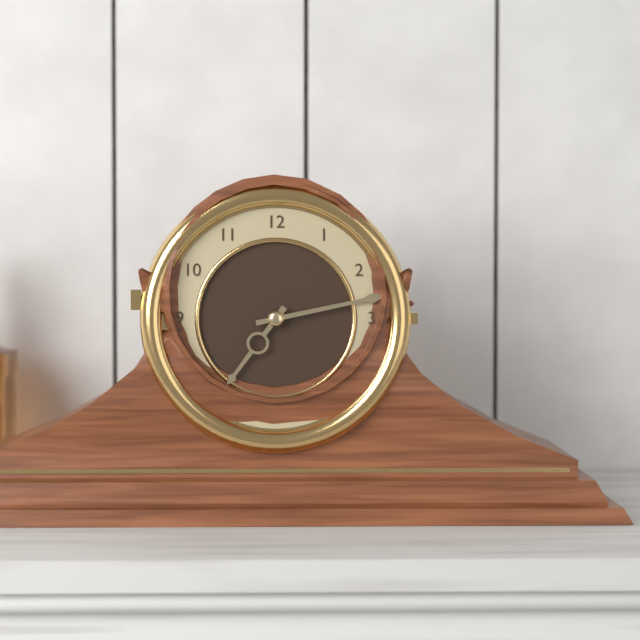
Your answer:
{"hour": 7, "minute": 13}
